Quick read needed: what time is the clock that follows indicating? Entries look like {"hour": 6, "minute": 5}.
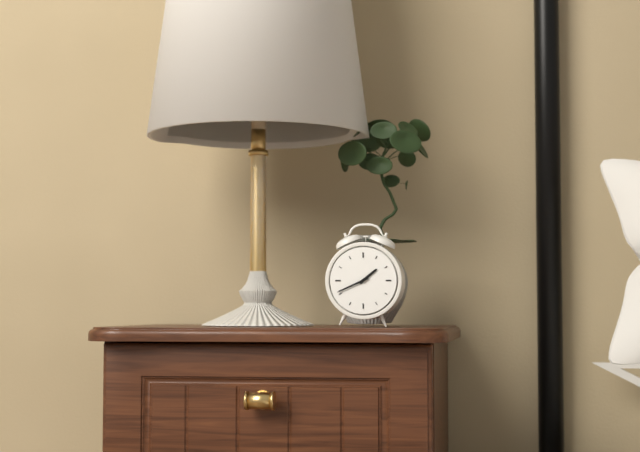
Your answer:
{"hour": 1, "minute": 41}
